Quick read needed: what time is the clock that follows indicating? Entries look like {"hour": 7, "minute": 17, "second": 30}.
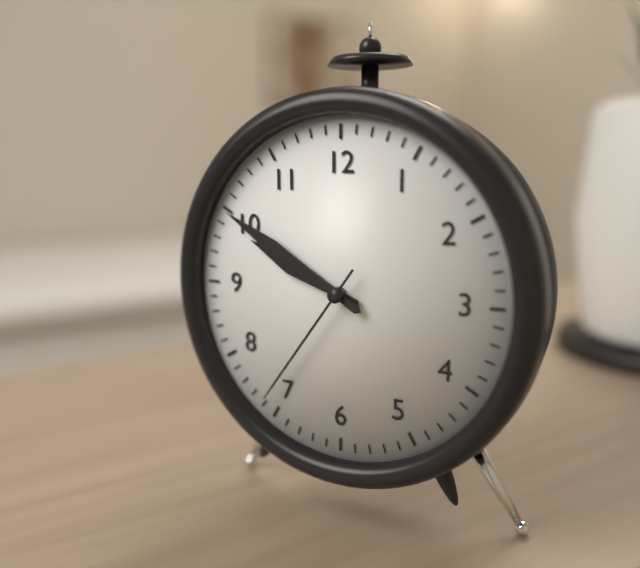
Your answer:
{"hour": 9, "minute": 50, "second": 36}
